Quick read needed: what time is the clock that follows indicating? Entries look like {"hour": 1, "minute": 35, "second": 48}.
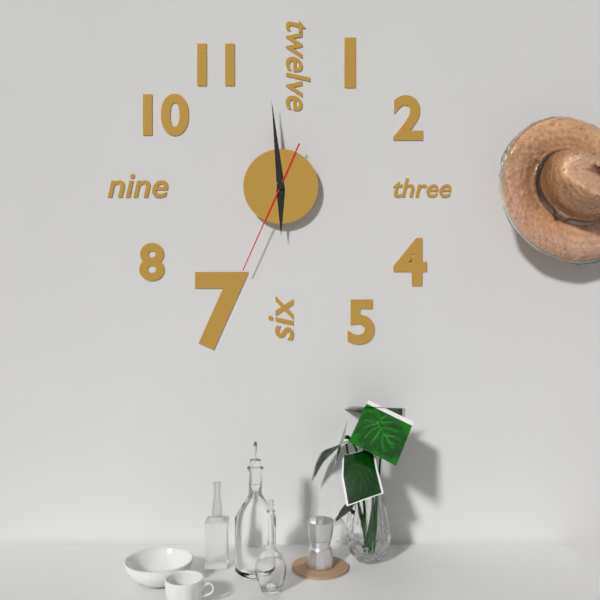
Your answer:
{"hour": 5, "minute": 59, "second": 34}
